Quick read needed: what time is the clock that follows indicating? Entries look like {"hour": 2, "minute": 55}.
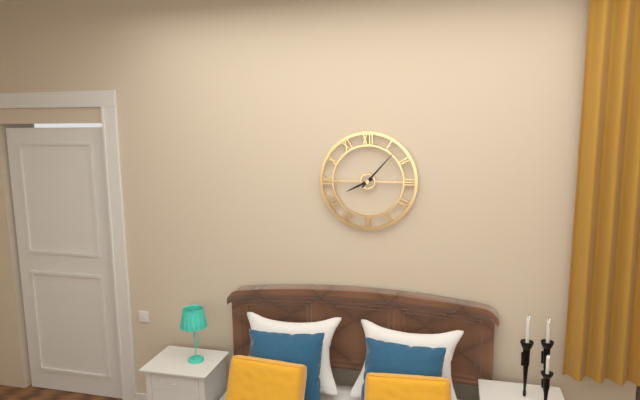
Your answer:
{"hour": 8, "minute": 7}
